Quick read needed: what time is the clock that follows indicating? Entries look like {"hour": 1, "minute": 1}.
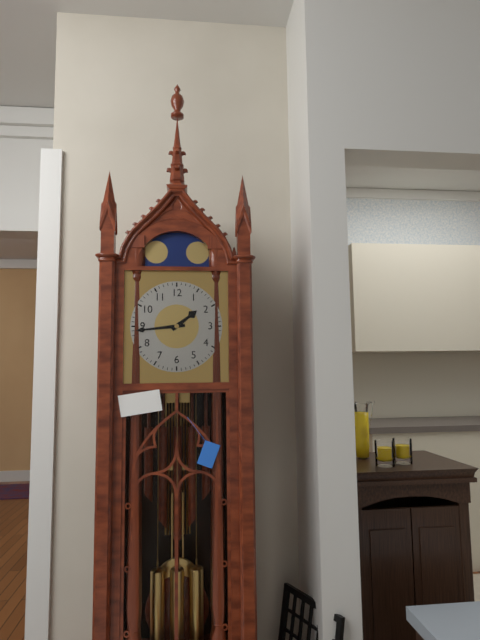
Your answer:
{"hour": 1, "minute": 44}
